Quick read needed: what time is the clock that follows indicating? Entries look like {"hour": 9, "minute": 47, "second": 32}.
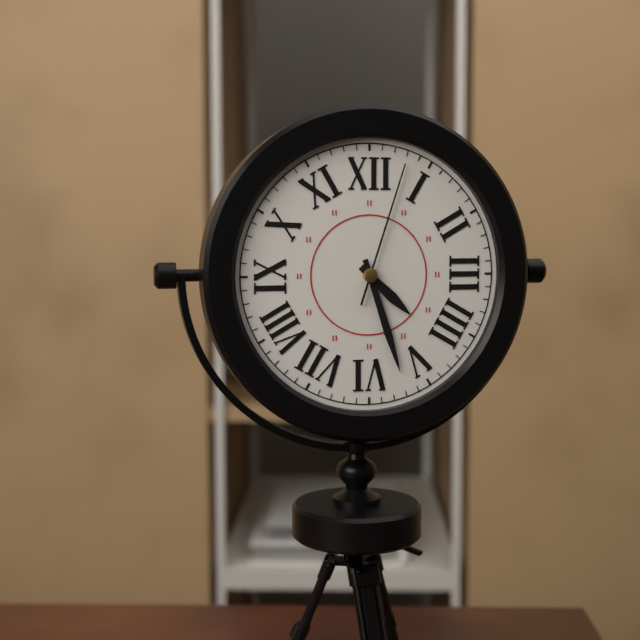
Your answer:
{"hour": 4, "minute": 27, "second": 3}
